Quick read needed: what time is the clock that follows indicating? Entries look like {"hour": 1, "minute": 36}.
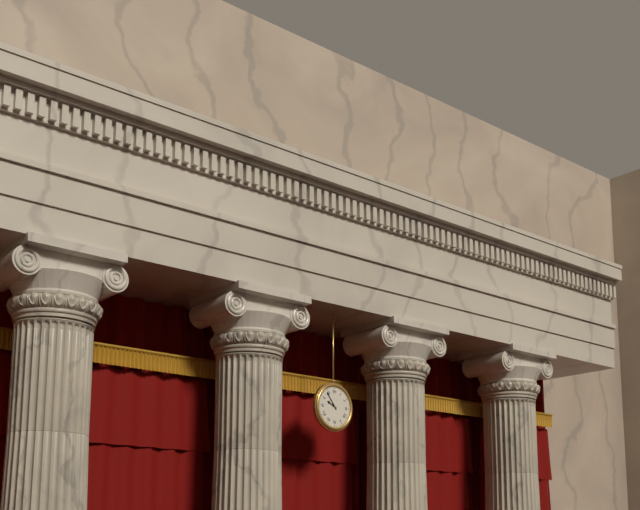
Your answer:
{"hour": 9, "minute": 54}
